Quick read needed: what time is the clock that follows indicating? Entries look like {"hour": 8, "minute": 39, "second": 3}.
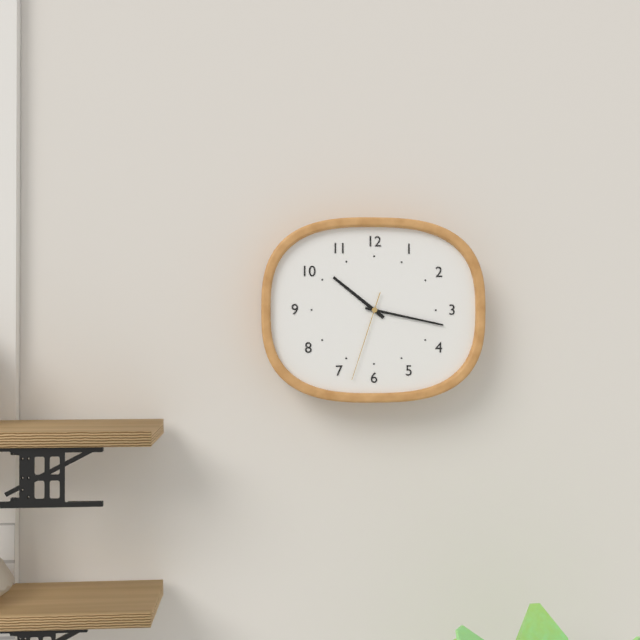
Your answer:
{"hour": 10, "minute": 17, "second": 33}
